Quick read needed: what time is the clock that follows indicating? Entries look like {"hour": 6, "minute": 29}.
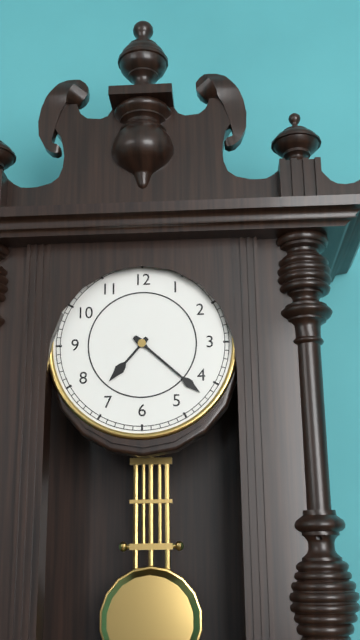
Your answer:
{"hour": 7, "minute": 22}
